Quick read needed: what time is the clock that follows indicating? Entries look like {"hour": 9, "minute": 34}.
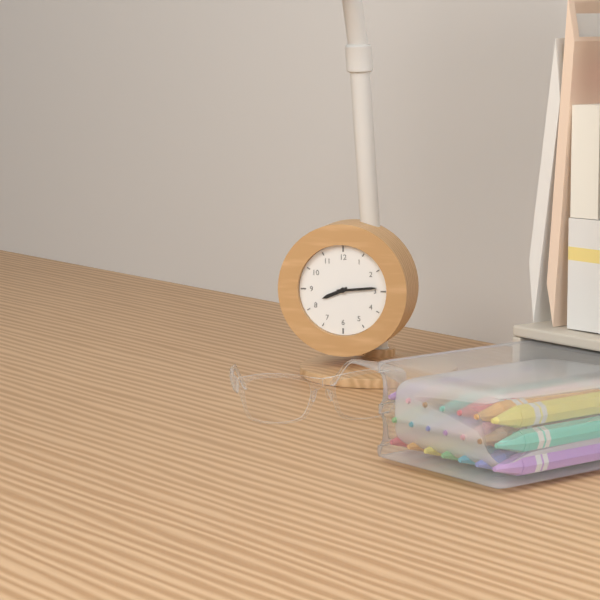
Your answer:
{"hour": 8, "minute": 14}
